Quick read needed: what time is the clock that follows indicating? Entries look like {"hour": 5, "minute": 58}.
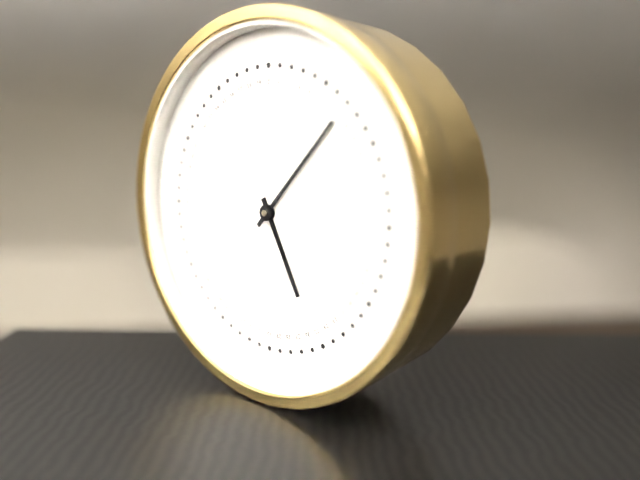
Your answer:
{"hour": 5, "minute": 7}
